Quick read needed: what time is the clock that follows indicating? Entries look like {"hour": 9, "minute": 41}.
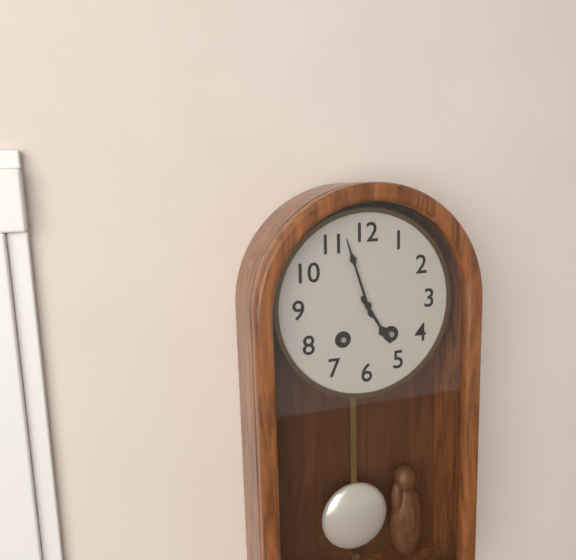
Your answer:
{"hour": 4, "minute": 57}
